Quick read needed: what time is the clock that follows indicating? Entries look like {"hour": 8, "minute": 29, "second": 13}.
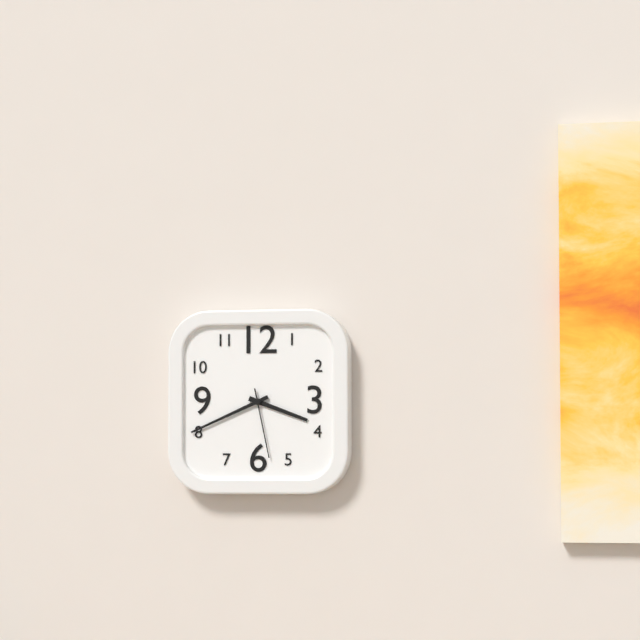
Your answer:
{"hour": 3, "minute": 41, "second": 28}
